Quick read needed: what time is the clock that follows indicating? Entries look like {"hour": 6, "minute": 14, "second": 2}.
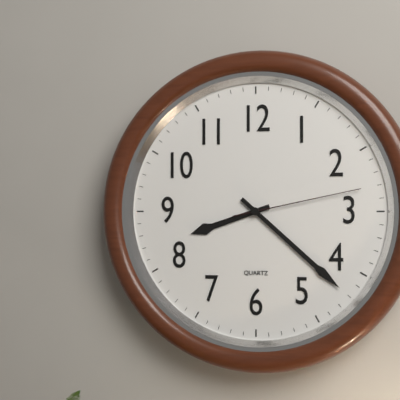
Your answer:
{"hour": 8, "minute": 22, "second": 13}
